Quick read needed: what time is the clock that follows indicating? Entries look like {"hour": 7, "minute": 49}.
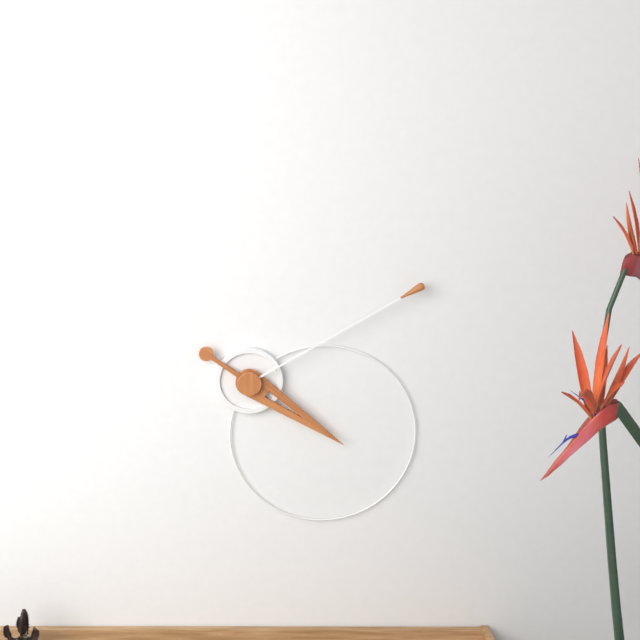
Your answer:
{"hour": 4, "minute": 10}
